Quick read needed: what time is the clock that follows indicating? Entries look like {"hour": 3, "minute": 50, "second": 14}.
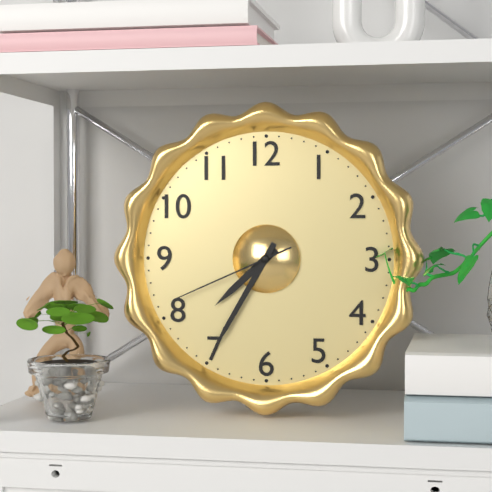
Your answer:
{"hour": 7, "minute": 35, "second": 41}
